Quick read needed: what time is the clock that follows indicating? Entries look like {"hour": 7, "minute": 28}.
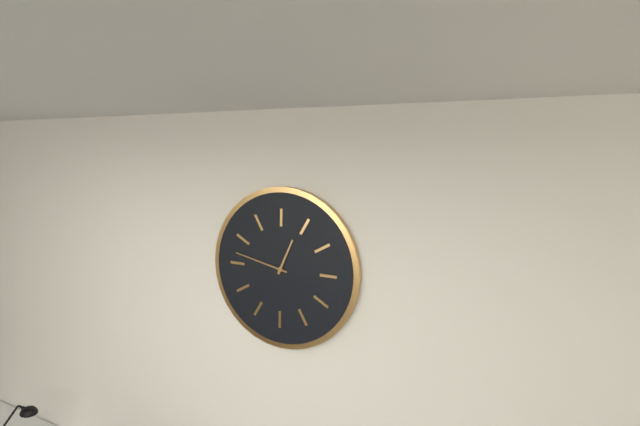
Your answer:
{"hour": 12, "minute": 47}
